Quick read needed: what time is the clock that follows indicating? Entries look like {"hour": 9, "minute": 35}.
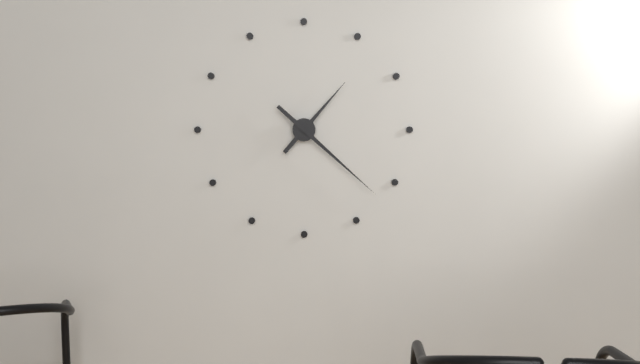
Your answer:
{"hour": 1, "minute": 22}
